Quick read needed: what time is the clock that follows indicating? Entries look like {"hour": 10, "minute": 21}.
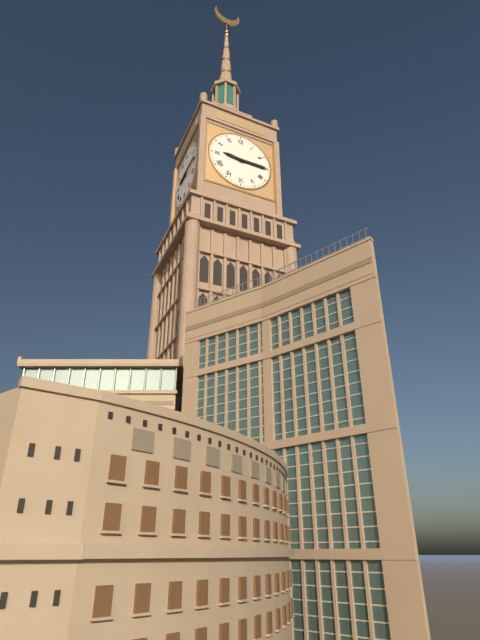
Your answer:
{"hour": 9, "minute": 15}
